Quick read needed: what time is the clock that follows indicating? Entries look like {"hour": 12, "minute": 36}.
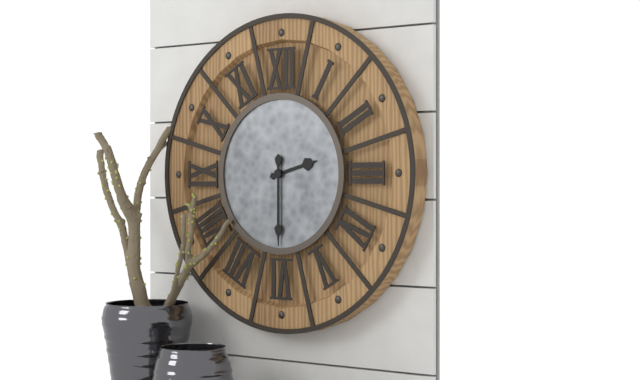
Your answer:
{"hour": 2, "minute": 30}
